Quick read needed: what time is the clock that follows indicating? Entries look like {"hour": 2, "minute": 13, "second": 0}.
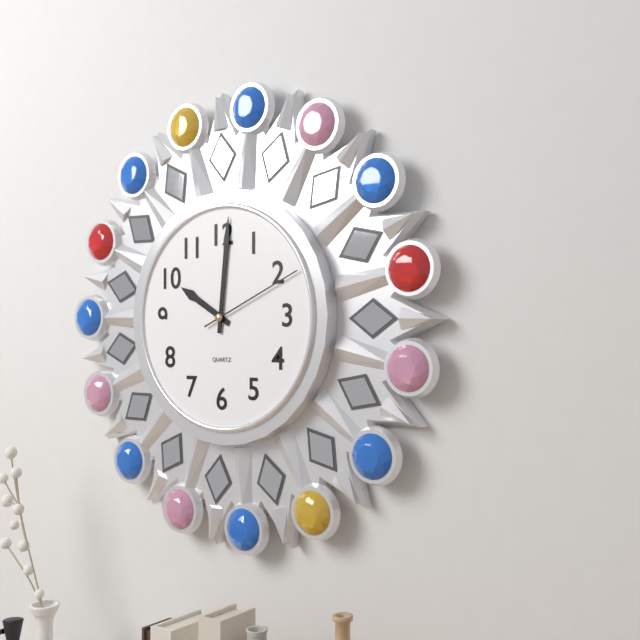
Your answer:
{"hour": 10, "minute": 1, "second": 11}
